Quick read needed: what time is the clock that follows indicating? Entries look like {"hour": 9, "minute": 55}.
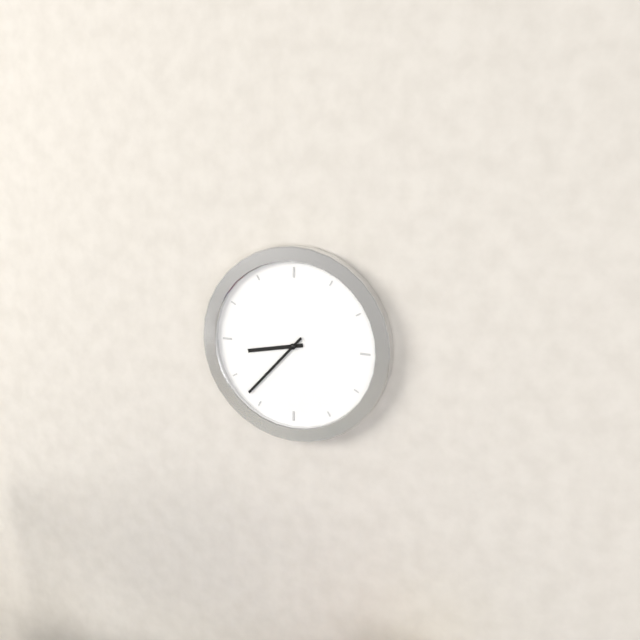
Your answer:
{"hour": 8, "minute": 37}
